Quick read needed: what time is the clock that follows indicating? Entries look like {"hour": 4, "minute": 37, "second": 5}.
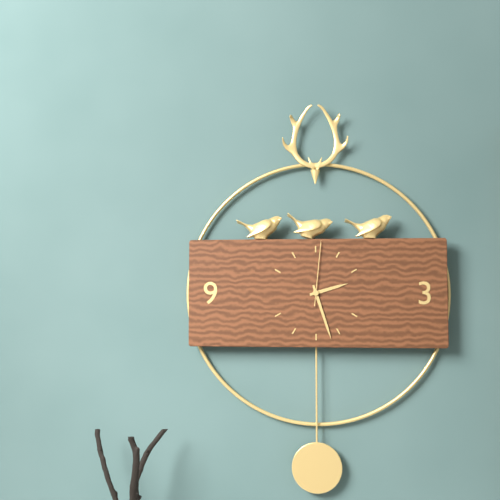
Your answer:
{"hour": 2, "minute": 27, "second": 1}
